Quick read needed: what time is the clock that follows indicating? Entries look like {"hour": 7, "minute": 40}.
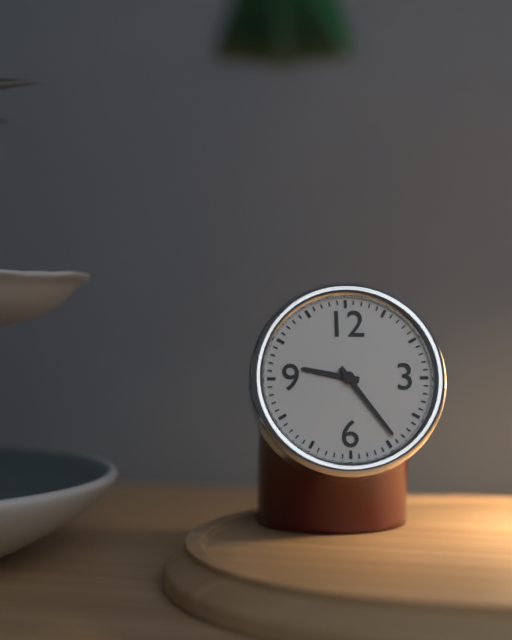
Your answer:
{"hour": 9, "minute": 24}
